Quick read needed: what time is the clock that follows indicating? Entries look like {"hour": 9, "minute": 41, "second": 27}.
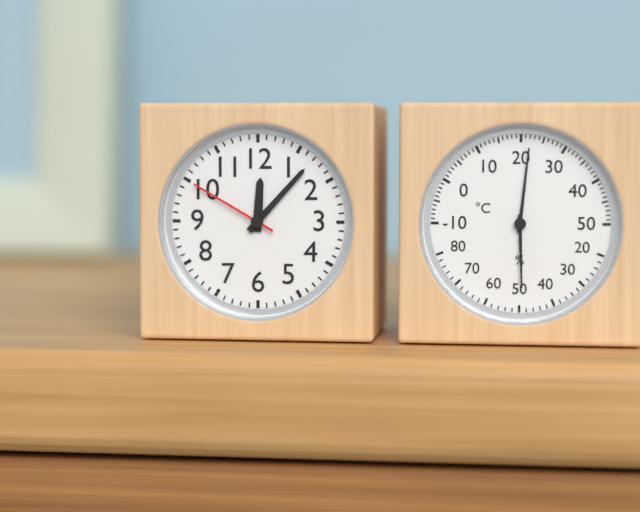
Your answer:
{"hour": 12, "minute": 7, "second": 50}
